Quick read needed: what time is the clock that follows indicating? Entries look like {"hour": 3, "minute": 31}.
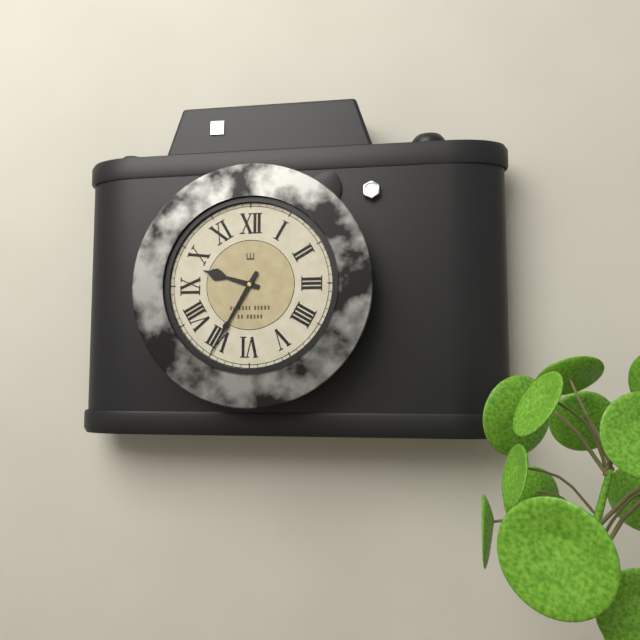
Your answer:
{"hour": 9, "minute": 35}
